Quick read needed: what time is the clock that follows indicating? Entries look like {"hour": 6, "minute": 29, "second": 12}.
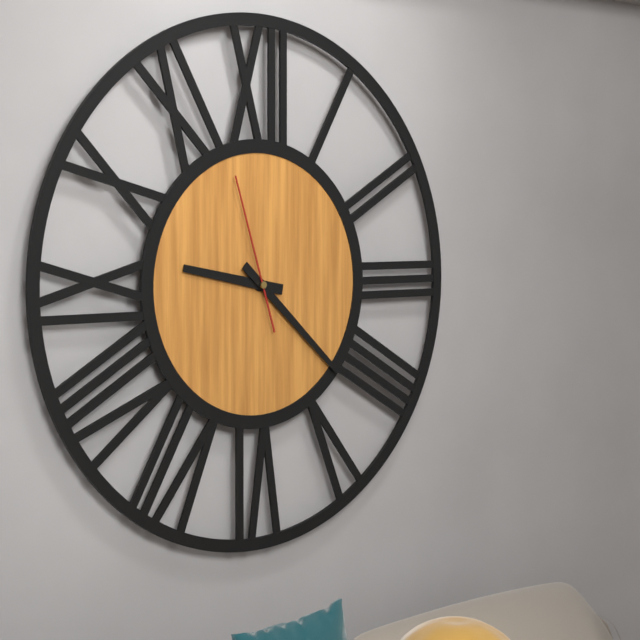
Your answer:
{"hour": 9, "minute": 22, "second": 57}
